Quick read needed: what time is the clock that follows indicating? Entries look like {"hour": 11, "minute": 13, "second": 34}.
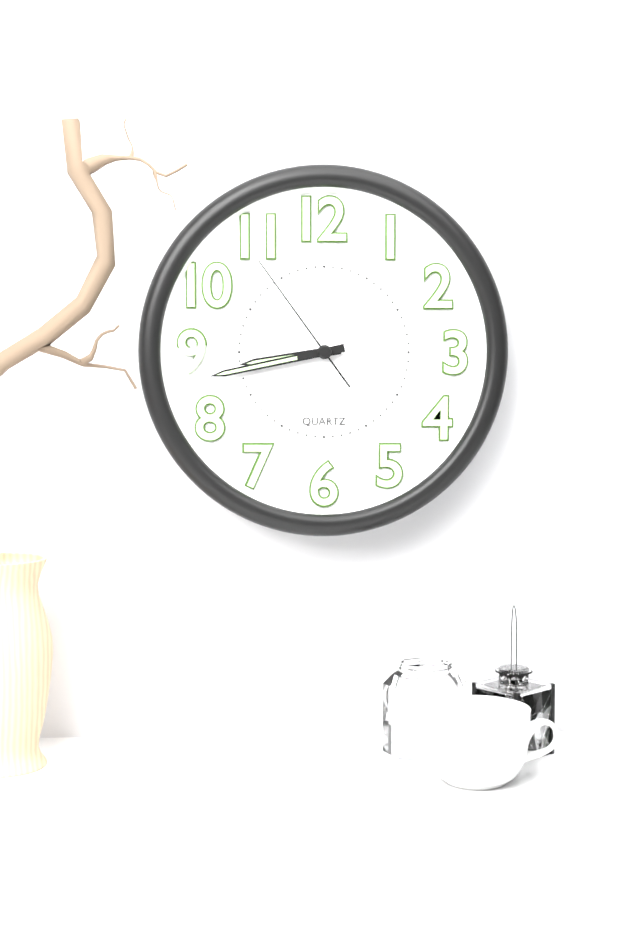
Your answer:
{"hour": 8, "minute": 43, "second": 54}
